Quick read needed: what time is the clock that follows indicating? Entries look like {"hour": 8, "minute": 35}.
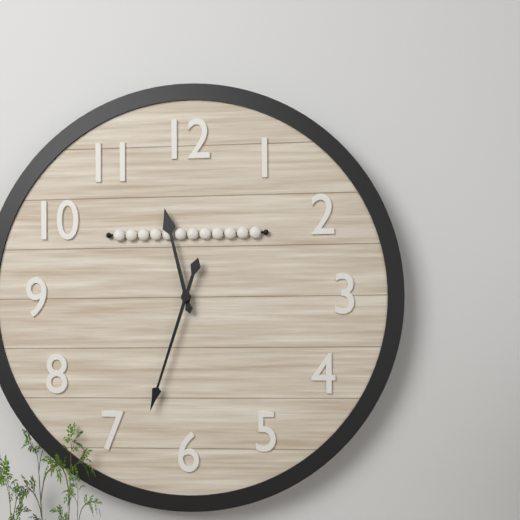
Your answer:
{"hour": 11, "minute": 33}
